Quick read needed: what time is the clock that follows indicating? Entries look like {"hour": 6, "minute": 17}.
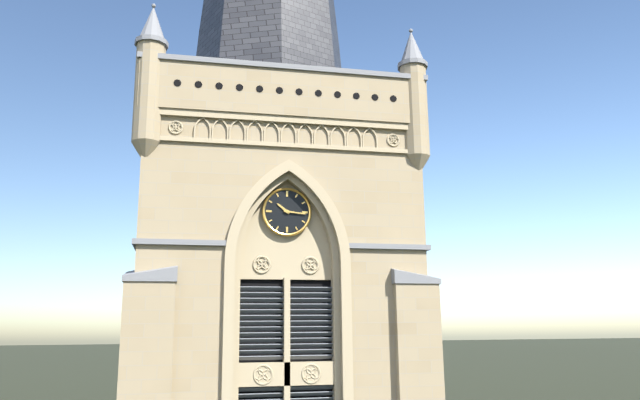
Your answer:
{"hour": 10, "minute": 16}
